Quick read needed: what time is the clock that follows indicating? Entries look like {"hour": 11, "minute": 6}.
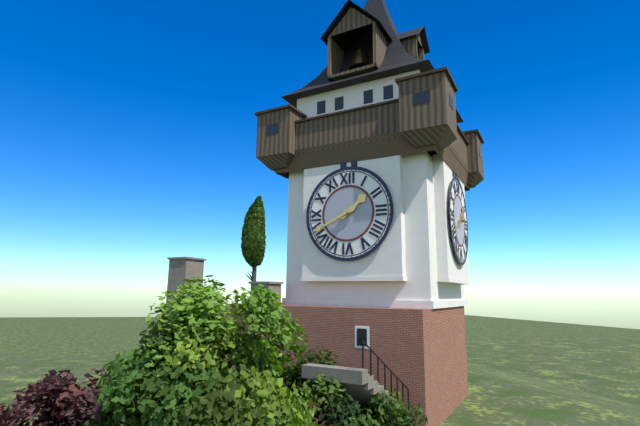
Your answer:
{"hour": 1, "minute": 41}
